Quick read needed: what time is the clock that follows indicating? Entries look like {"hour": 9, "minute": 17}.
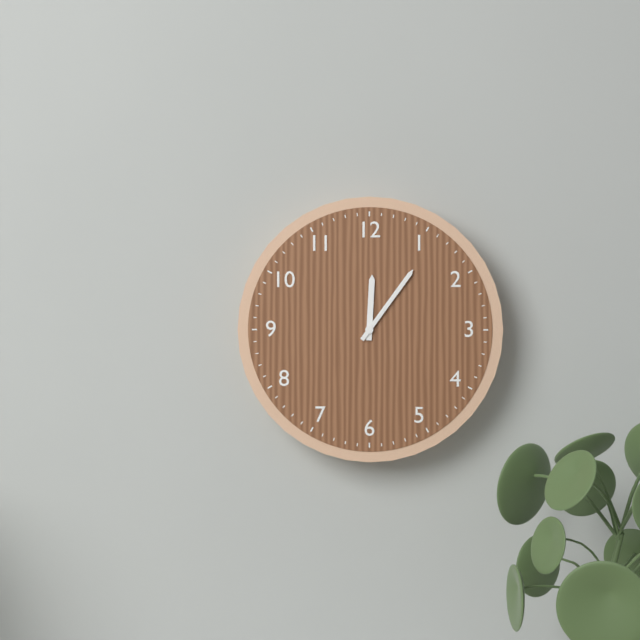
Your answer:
{"hour": 12, "minute": 6}
